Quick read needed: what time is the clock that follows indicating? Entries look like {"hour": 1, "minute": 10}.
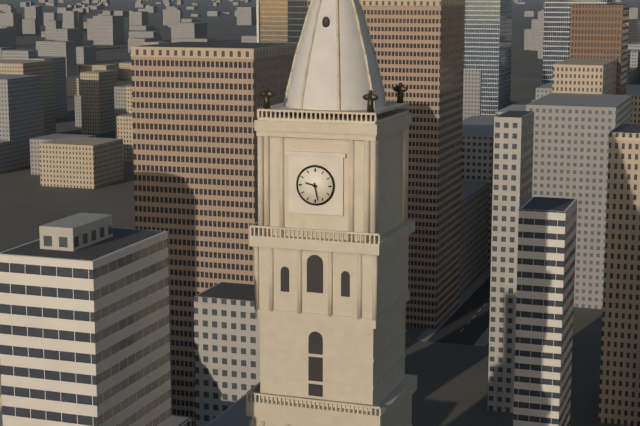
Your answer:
{"hour": 9, "minute": 28}
